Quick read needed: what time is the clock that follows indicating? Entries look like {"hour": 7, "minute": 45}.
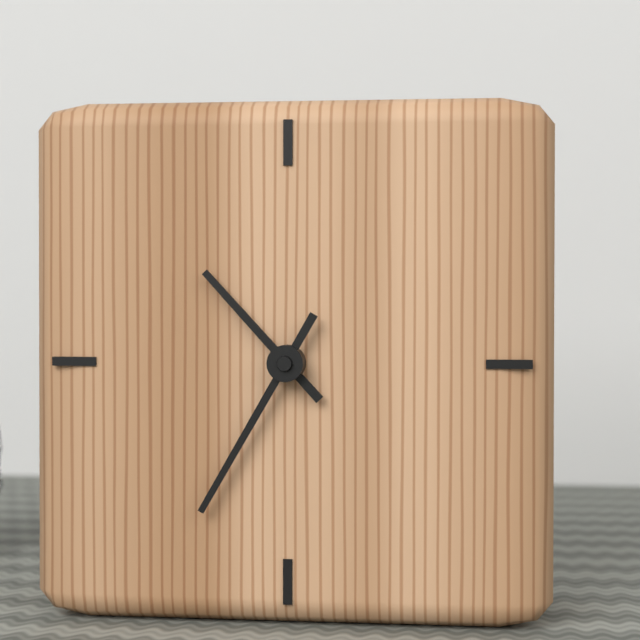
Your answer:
{"hour": 10, "minute": 35}
